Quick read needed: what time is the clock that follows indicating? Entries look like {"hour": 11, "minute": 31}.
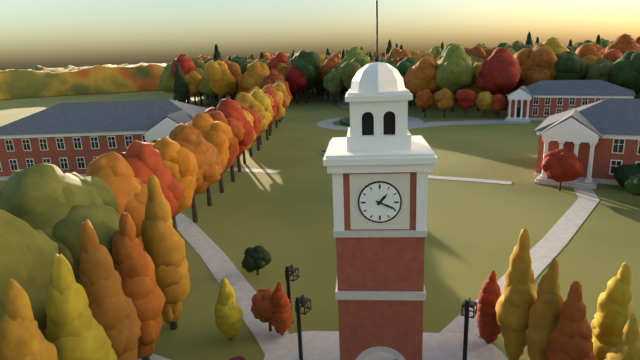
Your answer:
{"hour": 1, "minute": 19}
